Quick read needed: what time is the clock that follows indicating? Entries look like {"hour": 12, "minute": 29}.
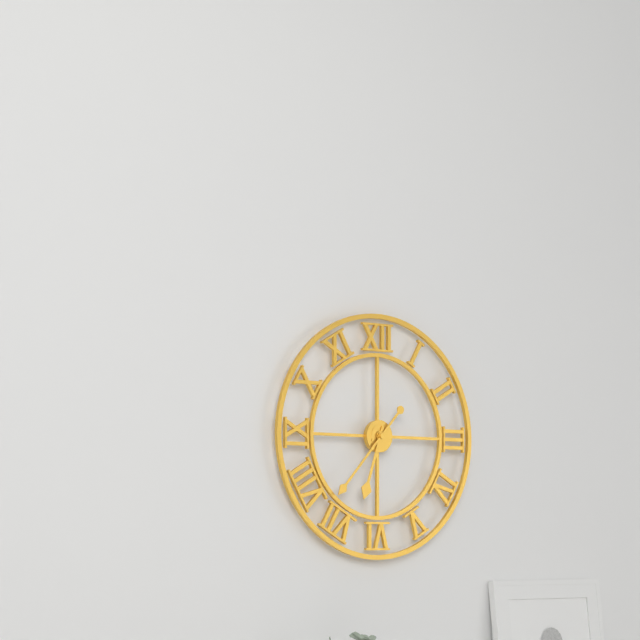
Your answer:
{"hour": 6, "minute": 37}
